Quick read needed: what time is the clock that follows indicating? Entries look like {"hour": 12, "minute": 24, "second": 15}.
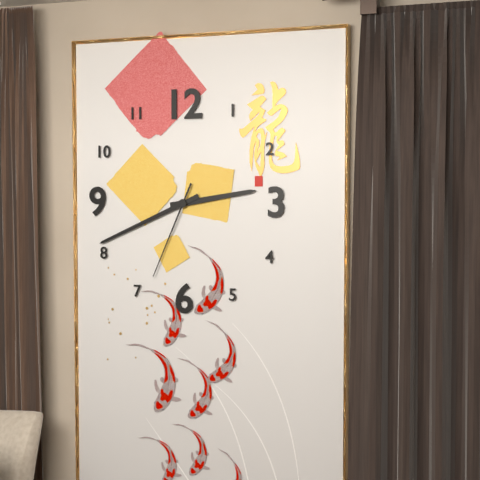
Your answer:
{"hour": 2, "minute": 41, "second": 34}
